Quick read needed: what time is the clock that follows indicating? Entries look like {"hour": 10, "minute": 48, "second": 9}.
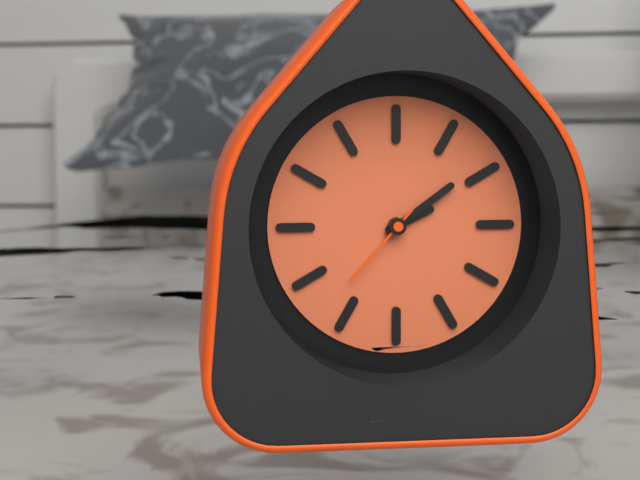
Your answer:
{"hour": 2, "minute": 9, "second": 37}
